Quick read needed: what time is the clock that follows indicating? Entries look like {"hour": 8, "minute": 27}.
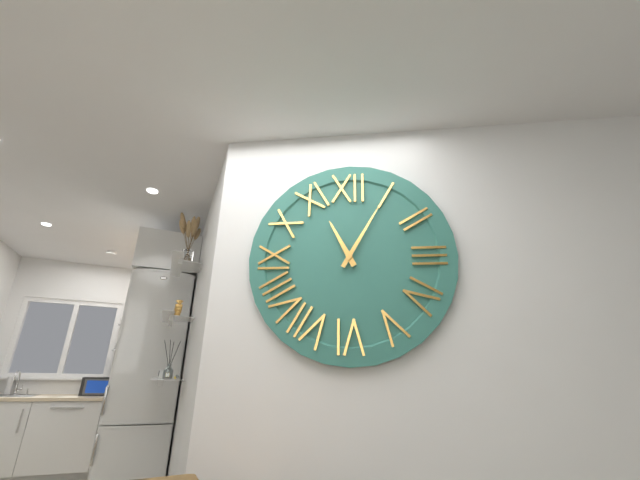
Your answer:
{"hour": 11, "minute": 5}
